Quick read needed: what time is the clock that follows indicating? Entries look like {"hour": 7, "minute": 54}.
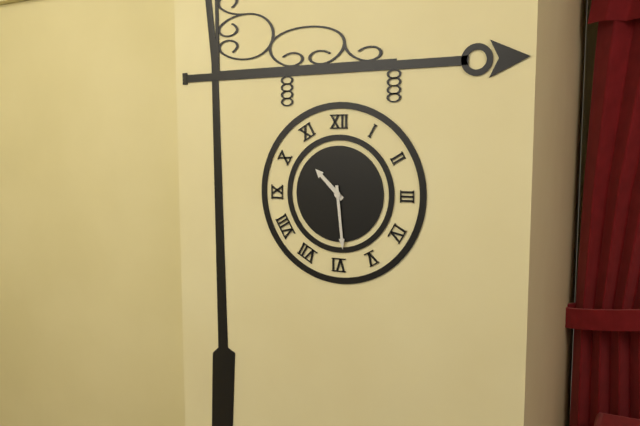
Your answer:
{"hour": 10, "minute": 29}
